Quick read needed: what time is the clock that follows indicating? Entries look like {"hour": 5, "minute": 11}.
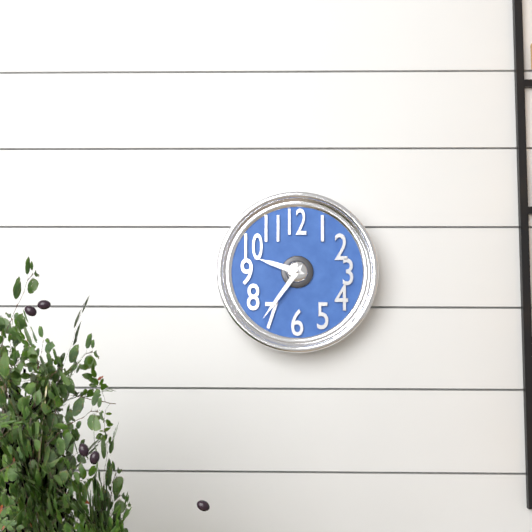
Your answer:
{"hour": 9, "minute": 36}
